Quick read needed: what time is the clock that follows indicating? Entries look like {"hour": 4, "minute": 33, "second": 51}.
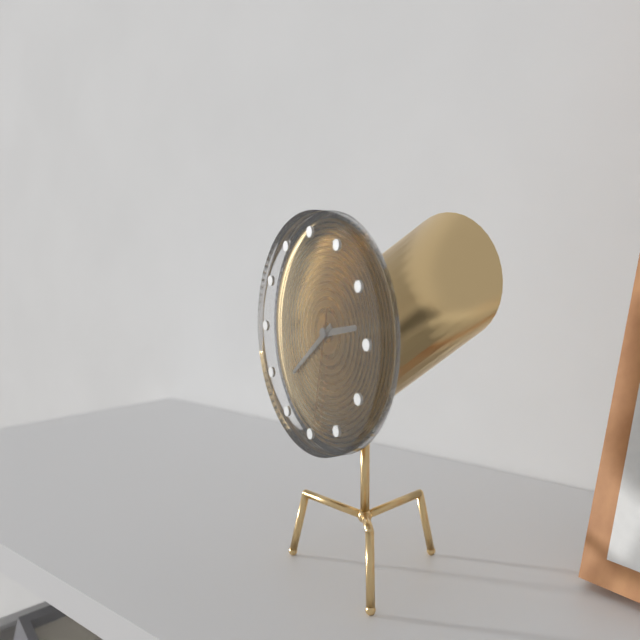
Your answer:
{"hour": 2, "minute": 39, "second": 32}
